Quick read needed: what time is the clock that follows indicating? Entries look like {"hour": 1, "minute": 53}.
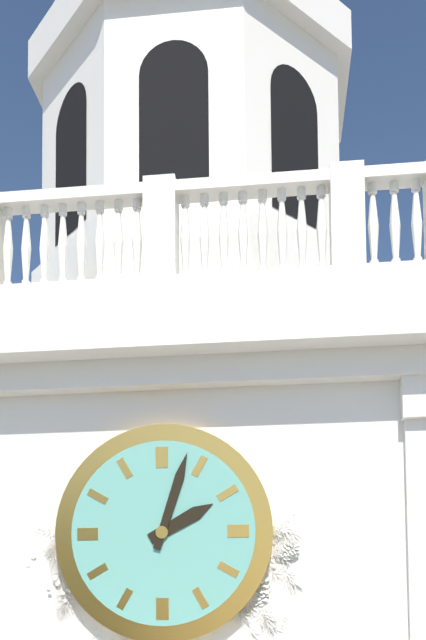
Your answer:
{"hour": 2, "minute": 3}
